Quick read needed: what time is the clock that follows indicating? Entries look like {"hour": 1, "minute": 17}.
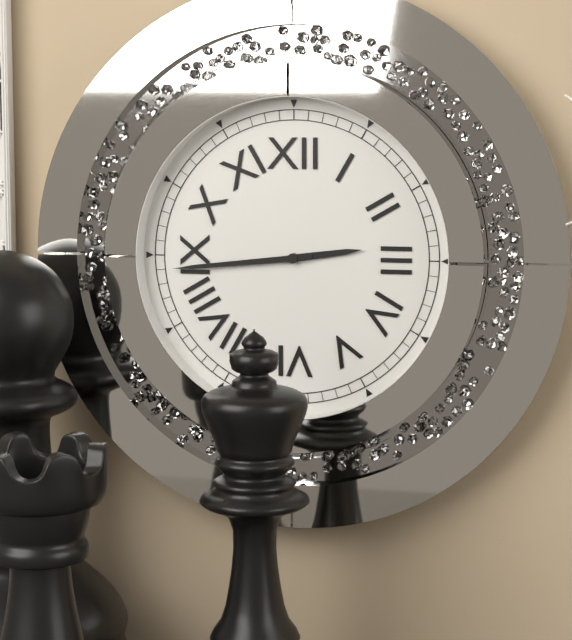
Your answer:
{"hour": 2, "minute": 44}
